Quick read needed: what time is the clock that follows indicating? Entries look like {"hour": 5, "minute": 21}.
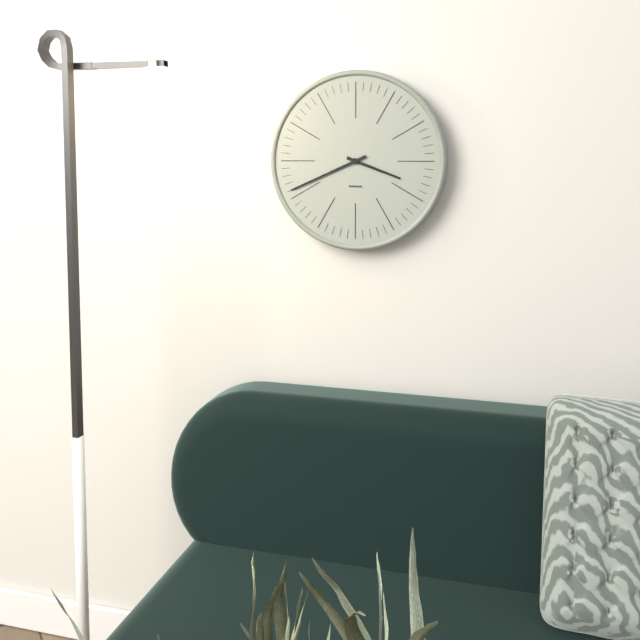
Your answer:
{"hour": 3, "minute": 41}
